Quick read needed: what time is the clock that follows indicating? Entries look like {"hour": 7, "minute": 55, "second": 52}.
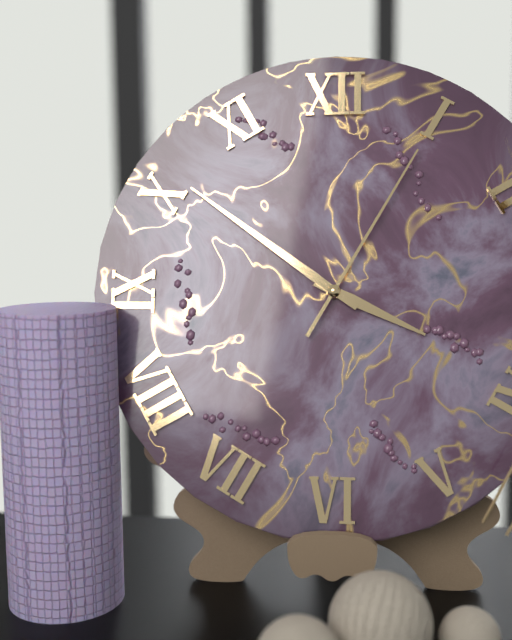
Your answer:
{"hour": 3, "minute": 51, "second": 5}
